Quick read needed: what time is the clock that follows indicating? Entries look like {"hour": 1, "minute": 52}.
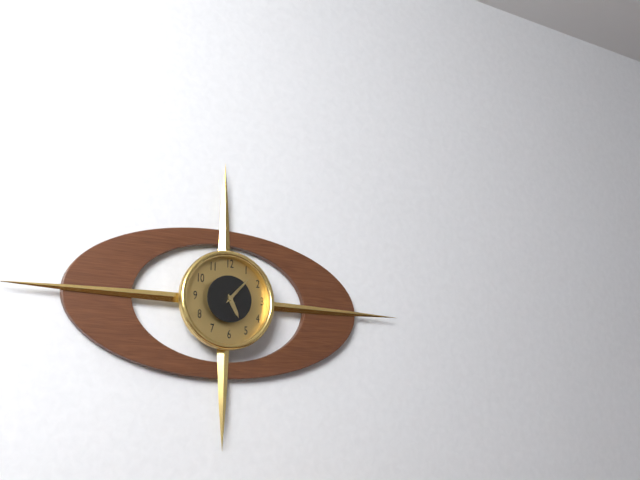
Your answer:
{"hour": 5, "minute": 7}
